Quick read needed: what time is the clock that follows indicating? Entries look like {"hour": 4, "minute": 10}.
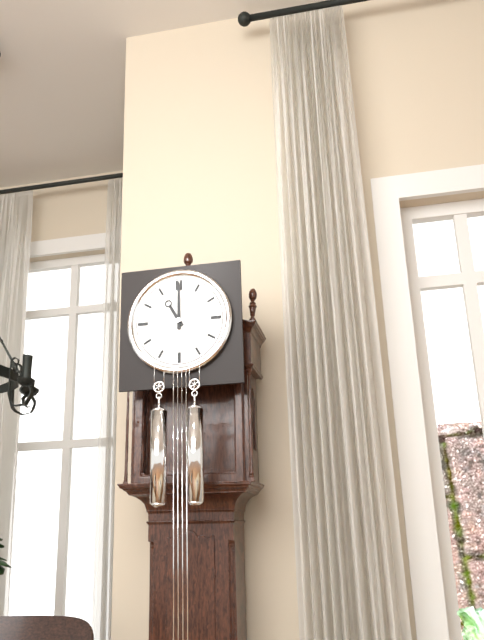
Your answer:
{"hour": 11, "minute": 0}
